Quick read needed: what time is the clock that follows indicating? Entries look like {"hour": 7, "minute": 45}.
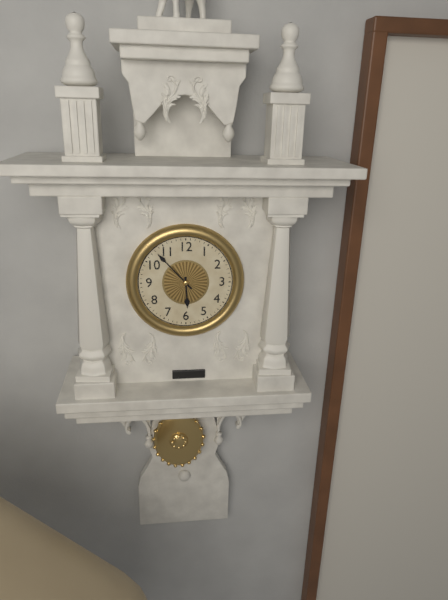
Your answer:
{"hour": 5, "minute": 53}
